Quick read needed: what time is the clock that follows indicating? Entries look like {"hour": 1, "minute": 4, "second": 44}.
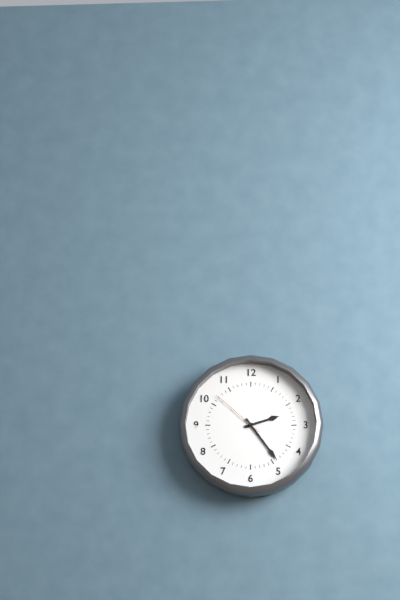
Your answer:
{"hour": 2, "minute": 24, "second": 52}
